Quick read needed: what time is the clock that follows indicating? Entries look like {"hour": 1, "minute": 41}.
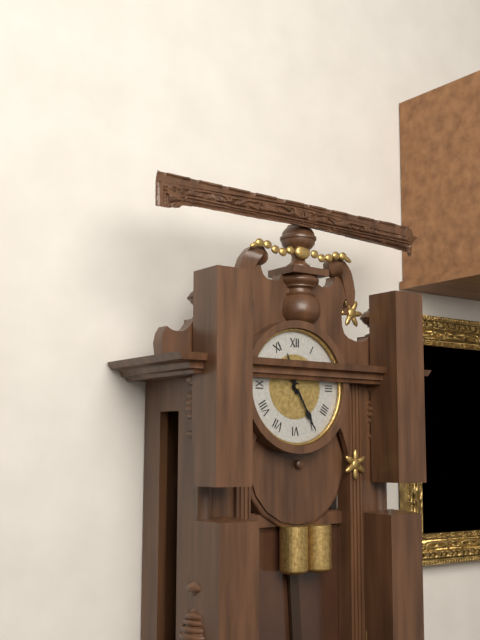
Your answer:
{"hour": 11, "minute": 25}
